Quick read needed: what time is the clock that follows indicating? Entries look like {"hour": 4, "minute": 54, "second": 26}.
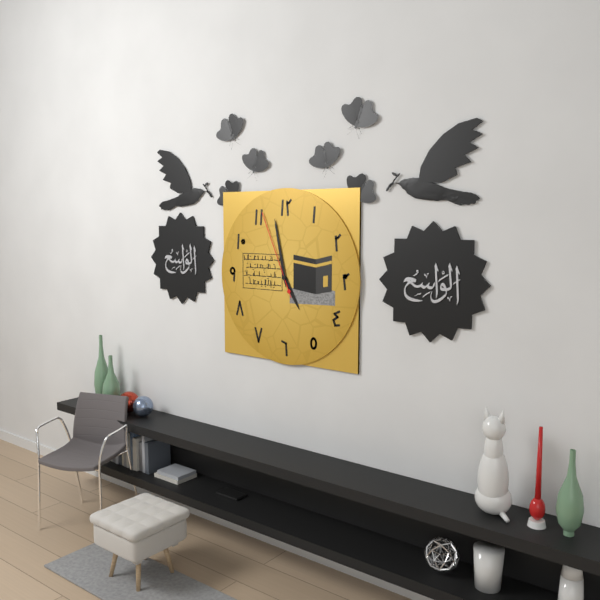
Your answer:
{"hour": 4, "minute": 58, "second": 56}
